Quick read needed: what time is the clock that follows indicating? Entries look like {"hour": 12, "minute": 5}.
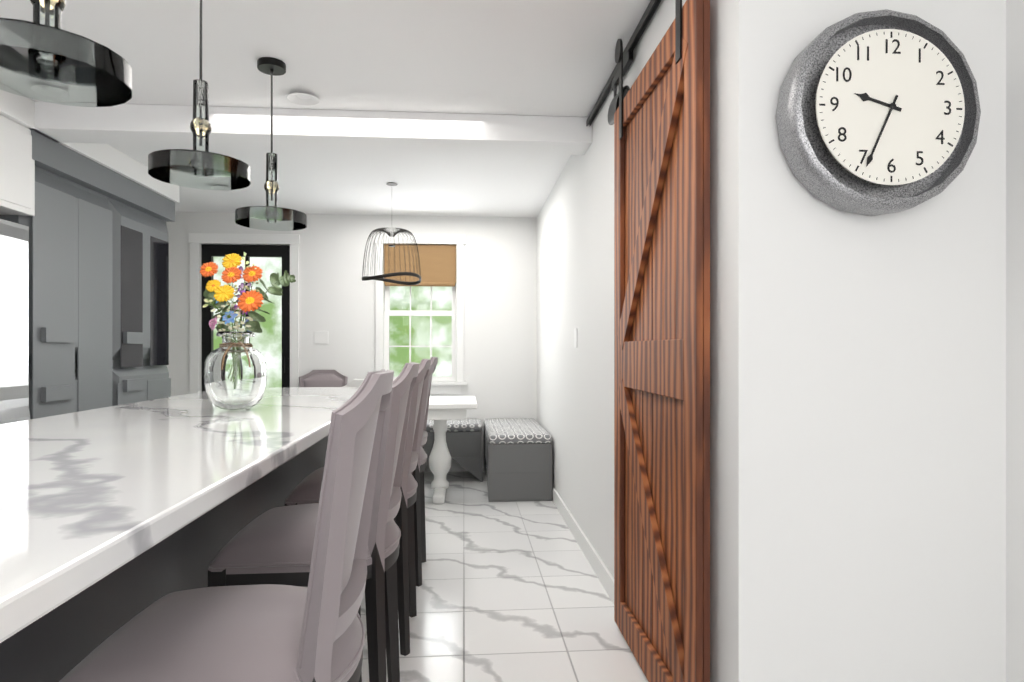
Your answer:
{"hour": 9, "minute": 34}
